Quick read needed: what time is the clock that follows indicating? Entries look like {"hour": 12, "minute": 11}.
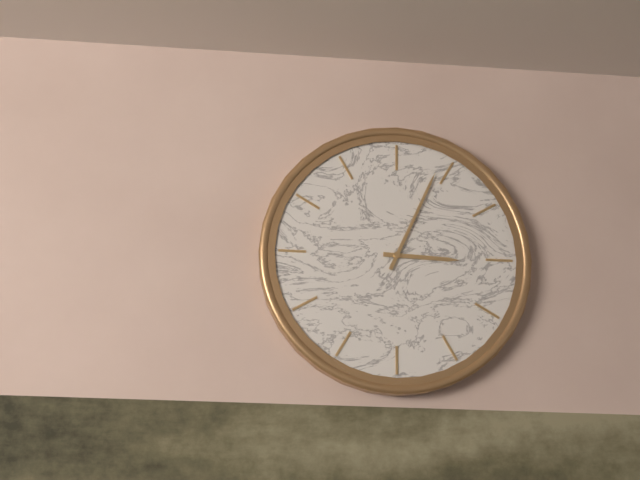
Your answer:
{"hour": 3, "minute": 4}
